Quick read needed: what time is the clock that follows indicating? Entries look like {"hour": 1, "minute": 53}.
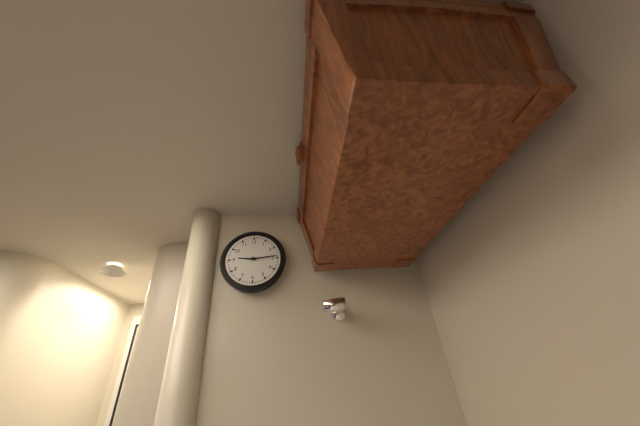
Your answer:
{"hour": 9, "minute": 14}
